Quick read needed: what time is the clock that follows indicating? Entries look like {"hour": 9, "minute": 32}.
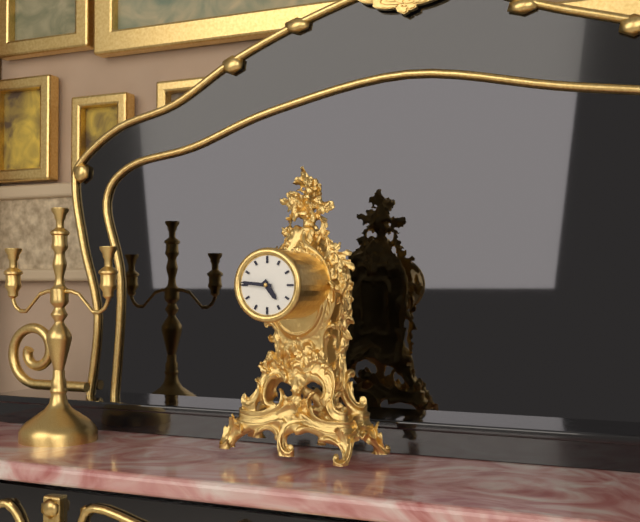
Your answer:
{"hour": 4, "minute": 46}
